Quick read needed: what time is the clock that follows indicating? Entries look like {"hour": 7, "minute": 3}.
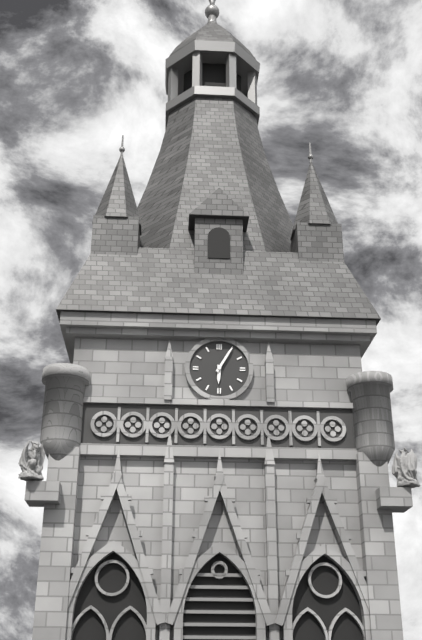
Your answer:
{"hour": 6, "minute": 5}
